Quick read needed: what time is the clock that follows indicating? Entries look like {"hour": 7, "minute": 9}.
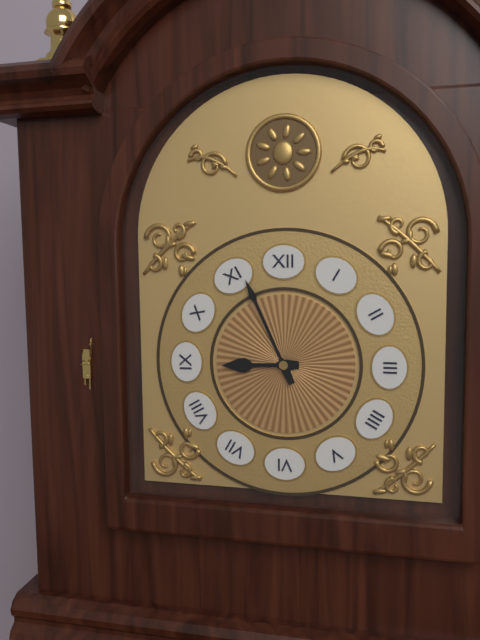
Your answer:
{"hour": 8, "minute": 56}
